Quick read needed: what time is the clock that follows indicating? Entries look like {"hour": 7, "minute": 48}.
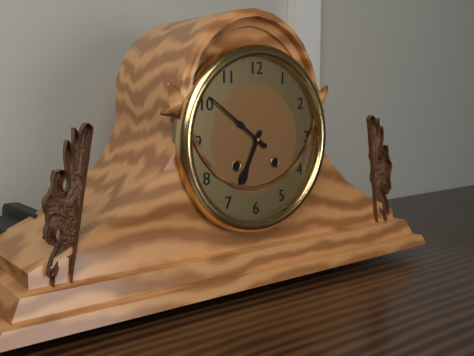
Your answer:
{"hour": 6, "minute": 51}
